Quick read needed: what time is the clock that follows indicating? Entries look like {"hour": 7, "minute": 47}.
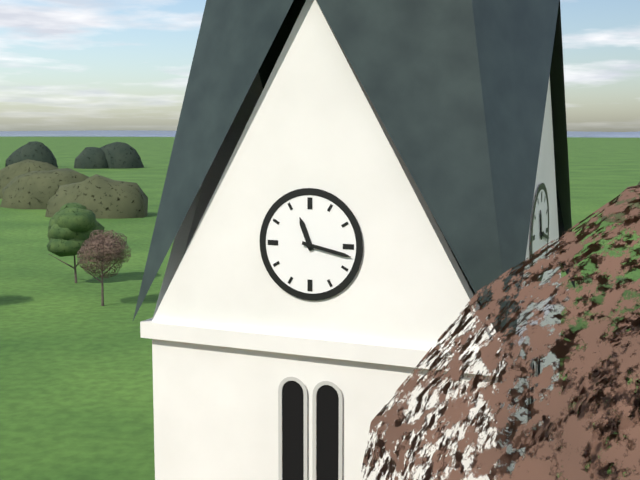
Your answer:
{"hour": 11, "minute": 17}
